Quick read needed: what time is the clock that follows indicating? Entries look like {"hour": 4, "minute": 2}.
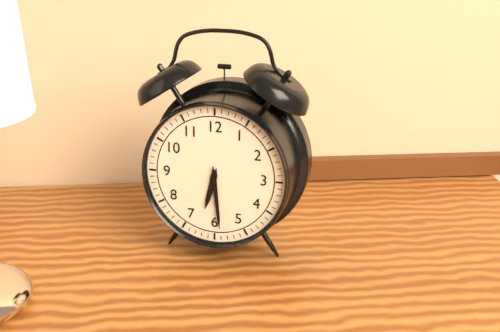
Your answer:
{"hour": 6, "minute": 29}
